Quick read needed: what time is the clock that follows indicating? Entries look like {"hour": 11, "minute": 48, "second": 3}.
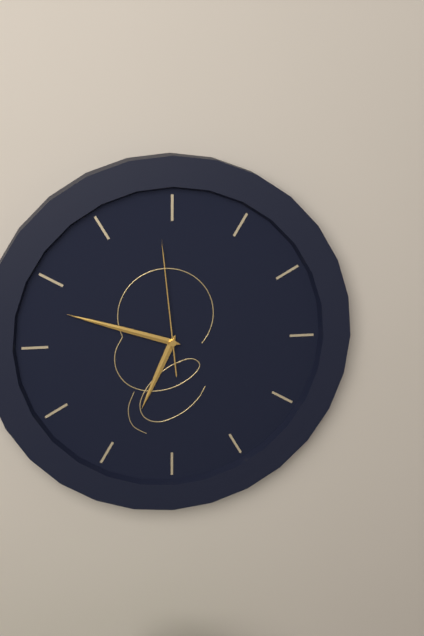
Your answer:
{"hour": 6, "minute": 48, "second": 59}
